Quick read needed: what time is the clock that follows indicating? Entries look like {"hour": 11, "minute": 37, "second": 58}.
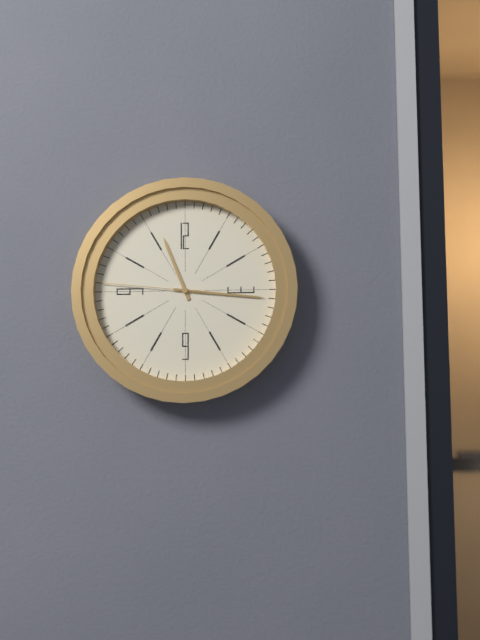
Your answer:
{"hour": 11, "minute": 16, "second": 46}
